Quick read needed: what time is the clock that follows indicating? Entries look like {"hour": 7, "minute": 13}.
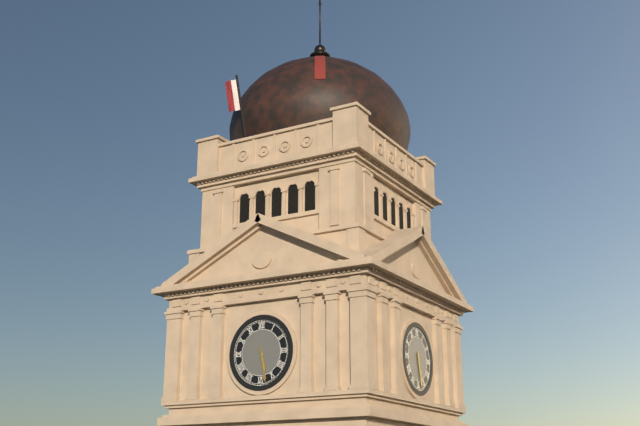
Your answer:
{"hour": 5, "minute": 28}
